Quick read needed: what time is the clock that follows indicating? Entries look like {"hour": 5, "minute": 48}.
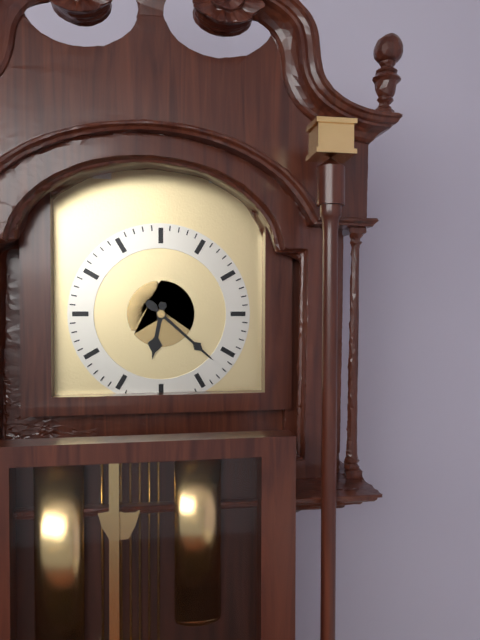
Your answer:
{"hour": 6, "minute": 22}
